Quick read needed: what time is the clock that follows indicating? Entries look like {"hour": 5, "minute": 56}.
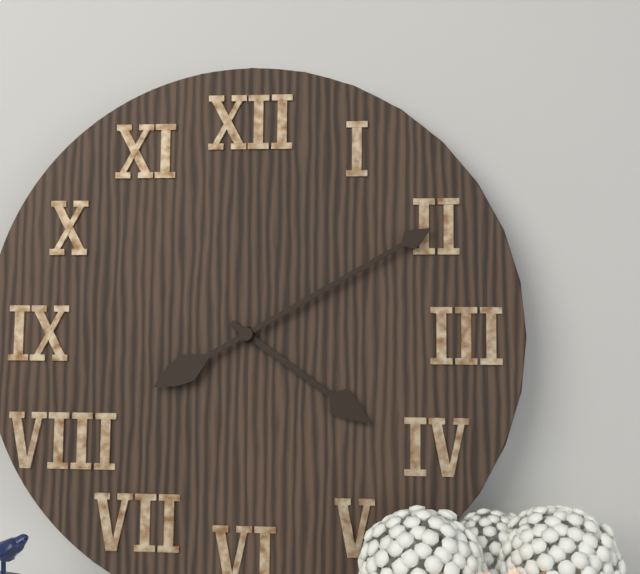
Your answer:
{"hour": 4, "minute": 10}
